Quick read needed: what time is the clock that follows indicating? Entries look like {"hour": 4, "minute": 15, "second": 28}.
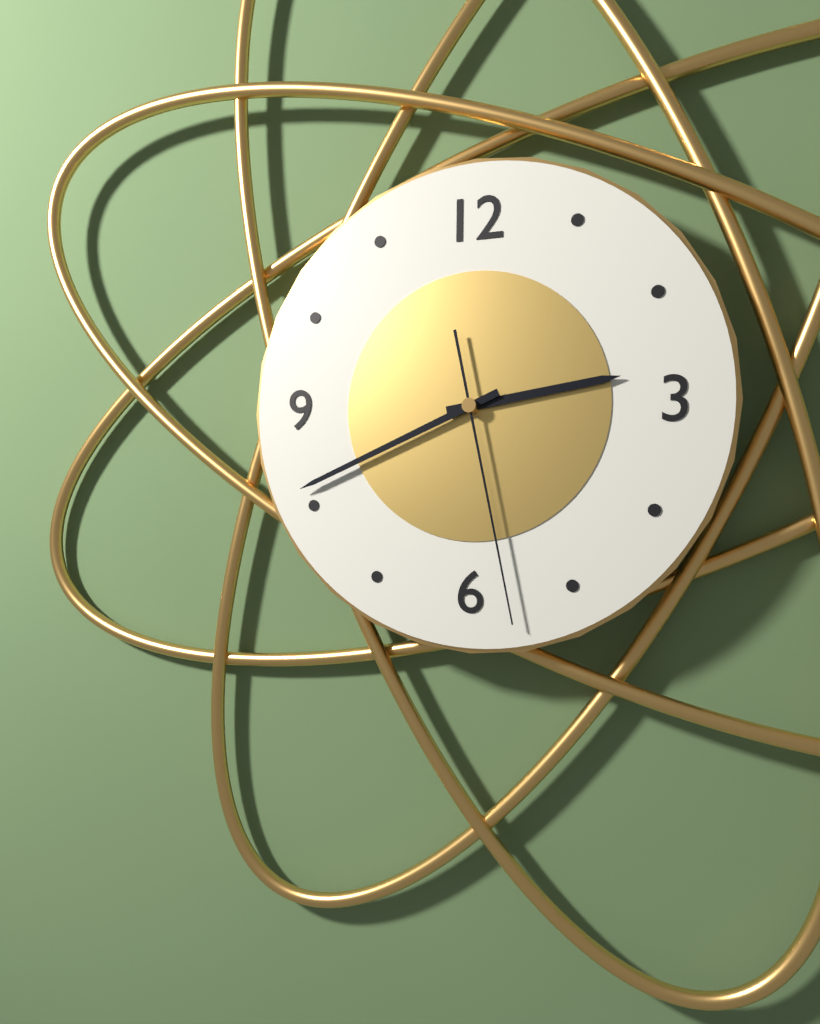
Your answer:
{"hour": 2, "minute": 41, "second": 28}
